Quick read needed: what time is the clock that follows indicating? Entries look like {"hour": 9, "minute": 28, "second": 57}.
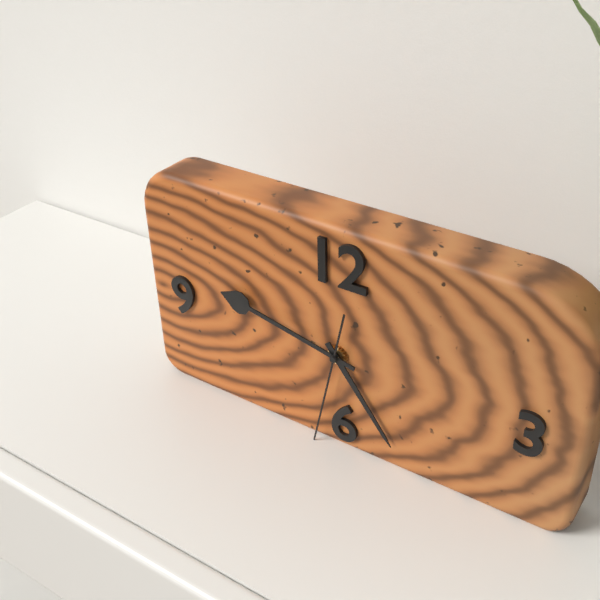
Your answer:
{"hour": 4, "minute": 47, "second": 32}
